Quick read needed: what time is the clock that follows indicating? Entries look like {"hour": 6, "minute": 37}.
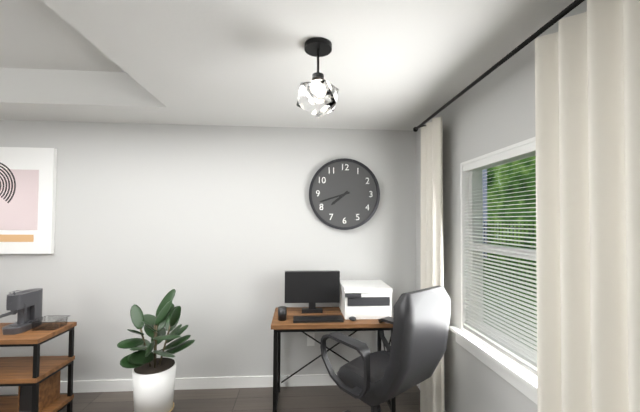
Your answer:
{"hour": 7, "minute": 42}
